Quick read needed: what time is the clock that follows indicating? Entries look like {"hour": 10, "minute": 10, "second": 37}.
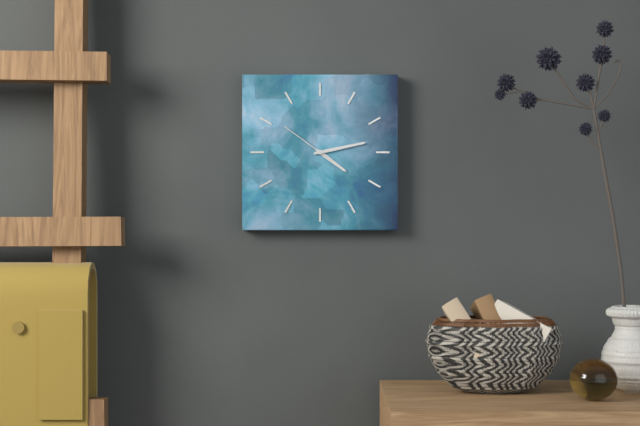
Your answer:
{"hour": 4, "minute": 13, "second": 51}
